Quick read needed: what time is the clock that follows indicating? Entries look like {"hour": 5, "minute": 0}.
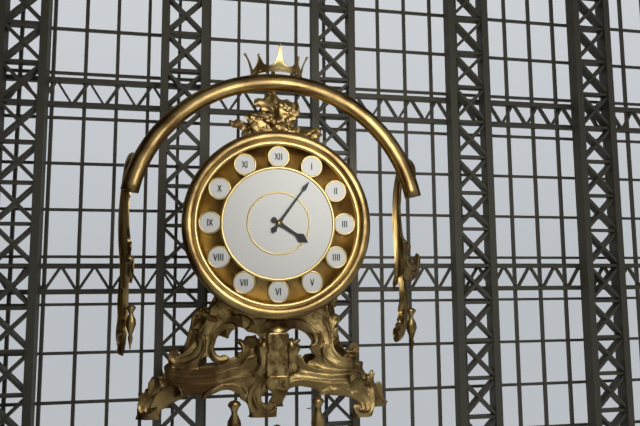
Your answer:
{"hour": 4, "minute": 6}
